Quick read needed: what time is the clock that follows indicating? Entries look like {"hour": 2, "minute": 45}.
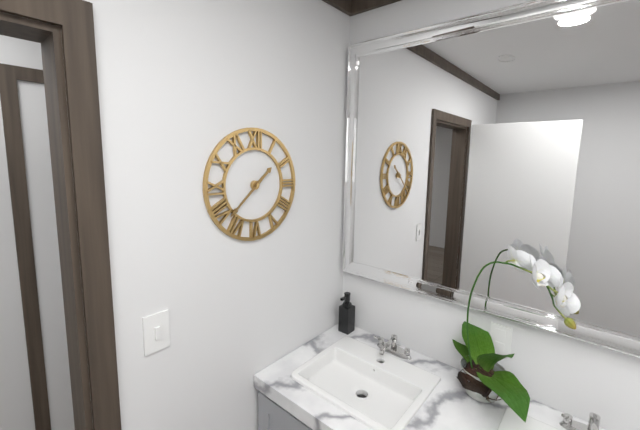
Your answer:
{"hour": 1, "minute": 38}
